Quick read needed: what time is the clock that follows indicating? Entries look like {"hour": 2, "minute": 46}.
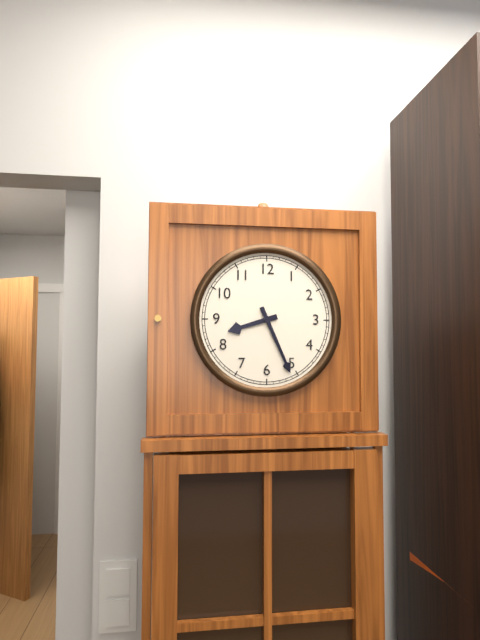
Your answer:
{"hour": 8, "minute": 26}
